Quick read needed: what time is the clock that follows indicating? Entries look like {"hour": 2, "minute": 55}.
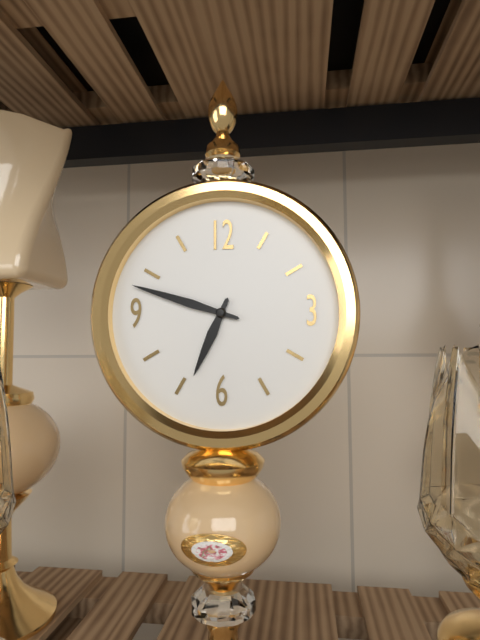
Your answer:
{"hour": 6, "minute": 48}
